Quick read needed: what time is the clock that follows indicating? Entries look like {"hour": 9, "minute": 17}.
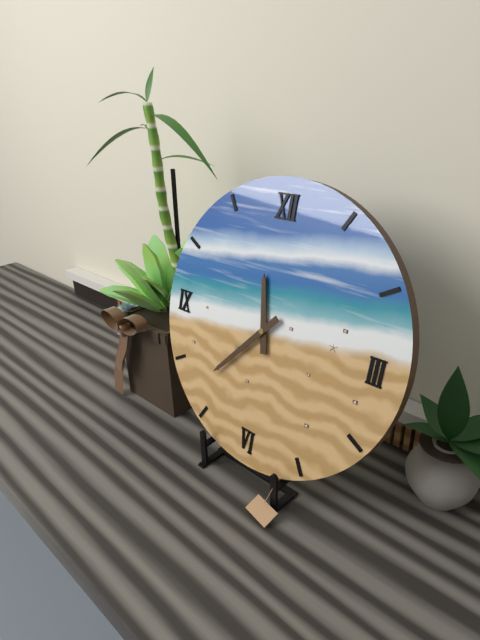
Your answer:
{"hour": 11, "minute": 37}
